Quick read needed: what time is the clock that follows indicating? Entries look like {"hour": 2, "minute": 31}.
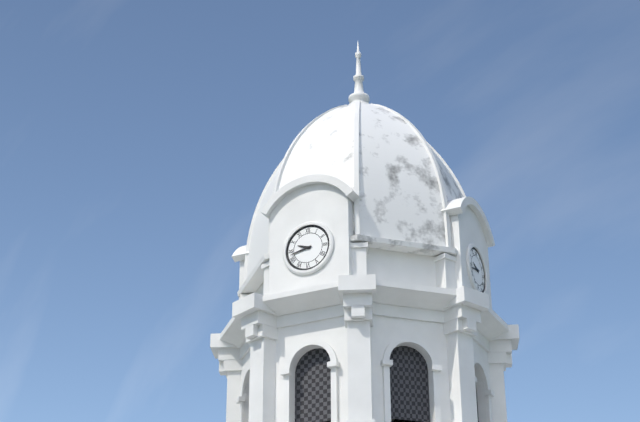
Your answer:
{"hour": 9, "minute": 43}
